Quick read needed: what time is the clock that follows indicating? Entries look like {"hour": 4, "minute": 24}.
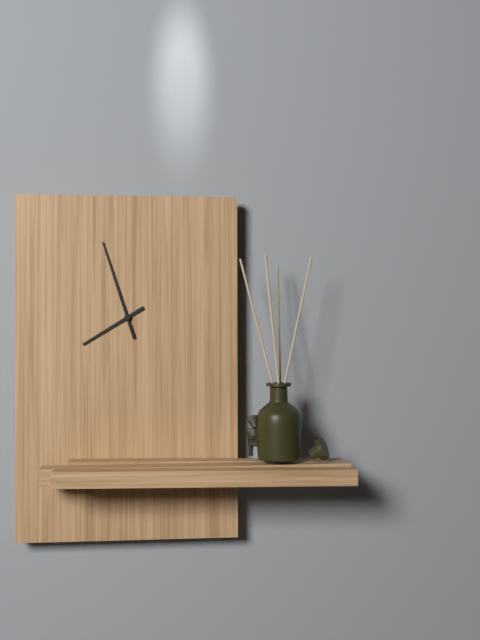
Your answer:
{"hour": 7, "minute": 57}
